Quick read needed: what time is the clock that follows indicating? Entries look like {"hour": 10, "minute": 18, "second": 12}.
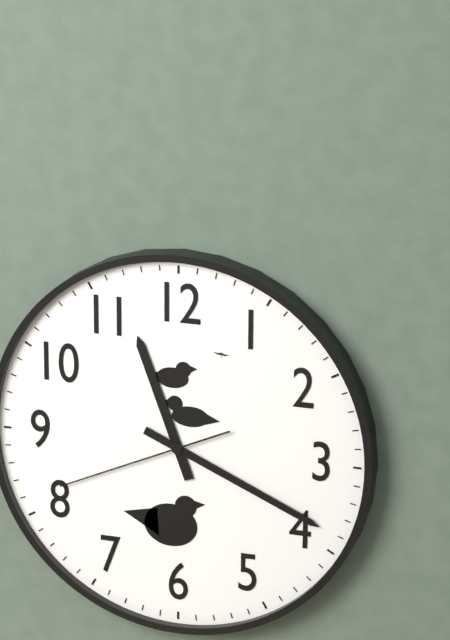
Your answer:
{"hour": 11, "minute": 19, "second": 41}
